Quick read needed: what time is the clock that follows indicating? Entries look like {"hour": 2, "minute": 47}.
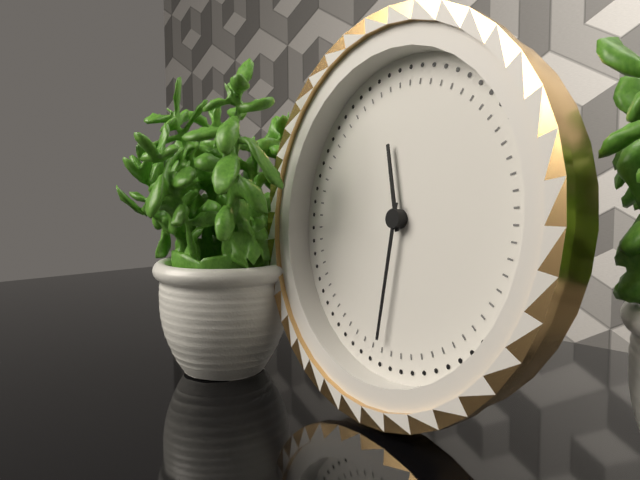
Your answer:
{"hour": 11, "minute": 31}
